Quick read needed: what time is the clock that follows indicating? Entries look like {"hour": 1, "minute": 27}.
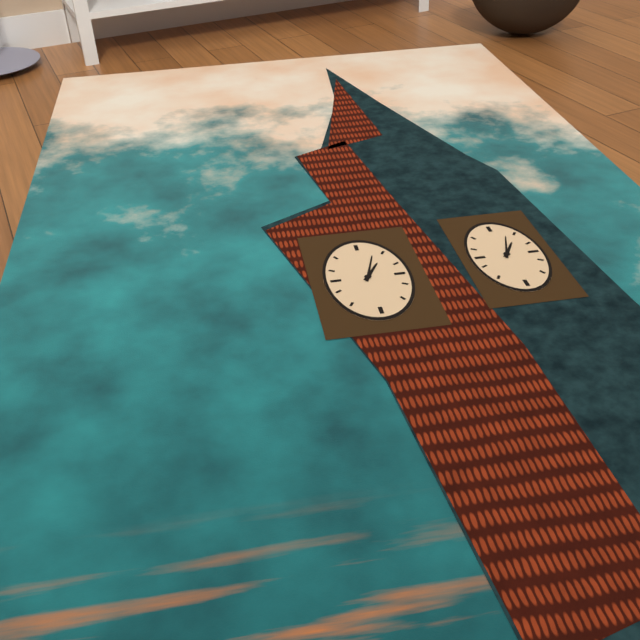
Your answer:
{"hour": 1, "minute": 3}
